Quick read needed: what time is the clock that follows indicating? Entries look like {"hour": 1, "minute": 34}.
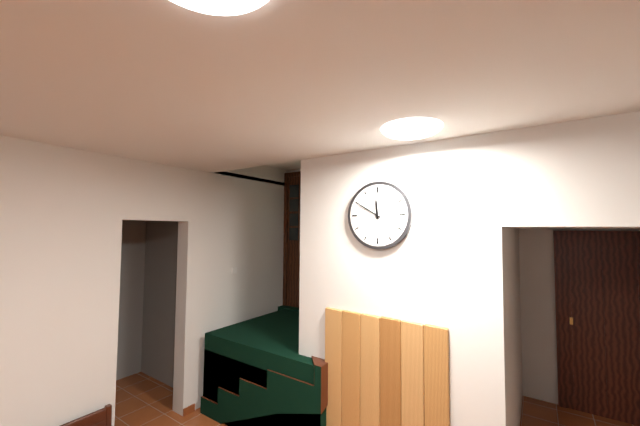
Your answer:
{"hour": 11, "minute": 50}
